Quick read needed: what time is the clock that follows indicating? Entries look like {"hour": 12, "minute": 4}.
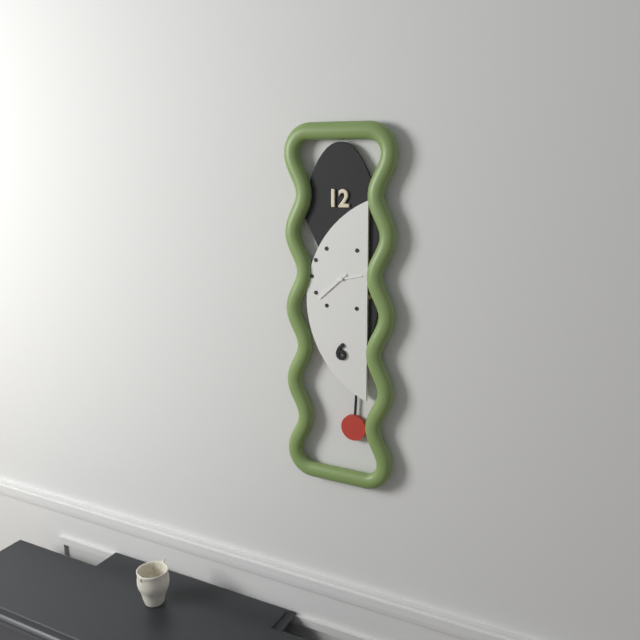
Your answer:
{"hour": 2, "minute": 38}
